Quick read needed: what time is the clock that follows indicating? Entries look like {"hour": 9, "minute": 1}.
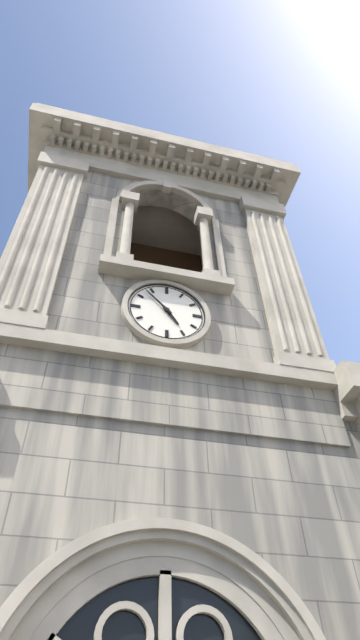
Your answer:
{"hour": 4, "minute": 53}
